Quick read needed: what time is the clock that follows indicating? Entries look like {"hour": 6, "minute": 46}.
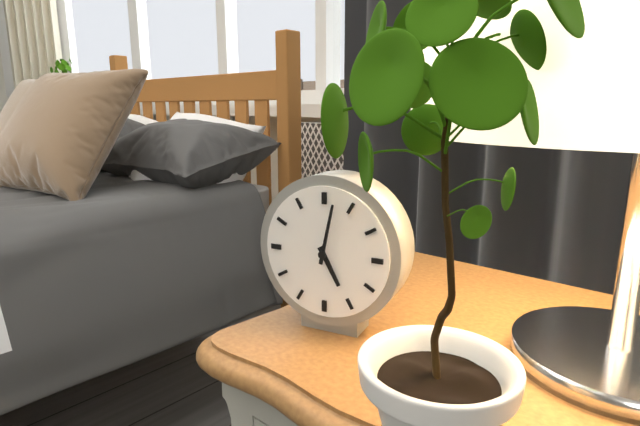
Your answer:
{"hour": 5, "minute": 2}
